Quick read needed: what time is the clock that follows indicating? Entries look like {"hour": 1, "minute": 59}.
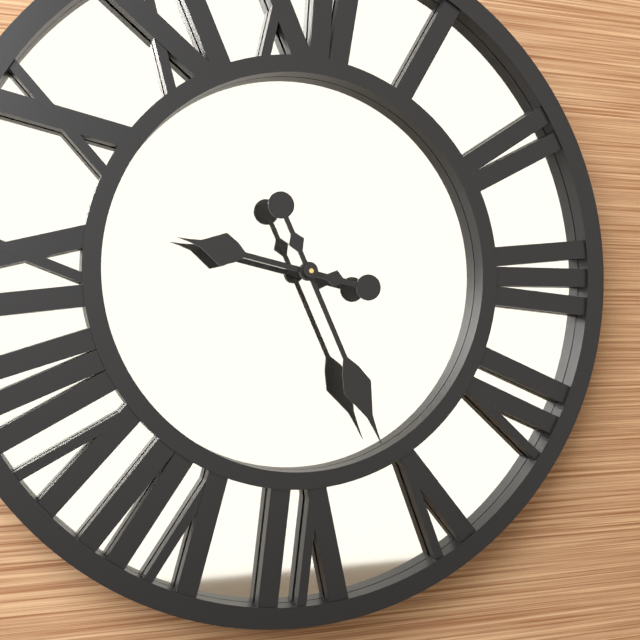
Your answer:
{"hour": 9, "minute": 26}
